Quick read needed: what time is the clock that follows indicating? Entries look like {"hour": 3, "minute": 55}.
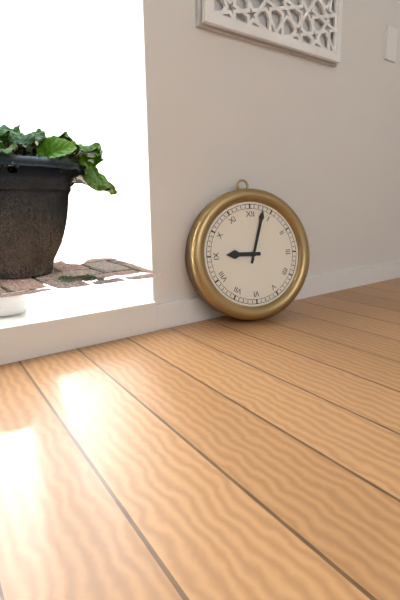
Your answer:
{"hour": 9, "minute": 3}
